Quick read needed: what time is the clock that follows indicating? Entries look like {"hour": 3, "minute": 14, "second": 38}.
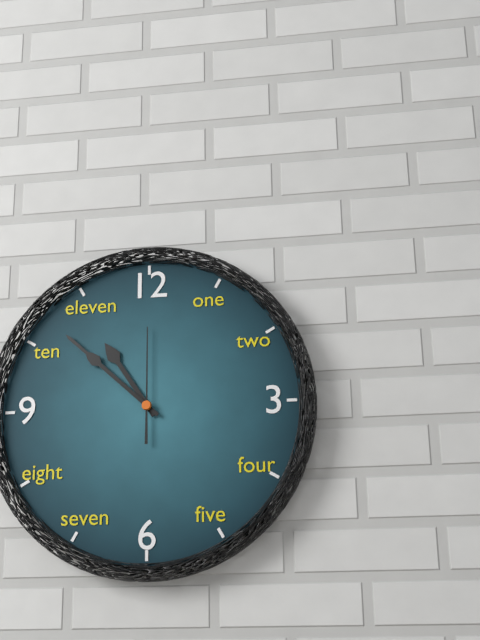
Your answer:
{"hour": 10, "minute": 52, "second": 0}
